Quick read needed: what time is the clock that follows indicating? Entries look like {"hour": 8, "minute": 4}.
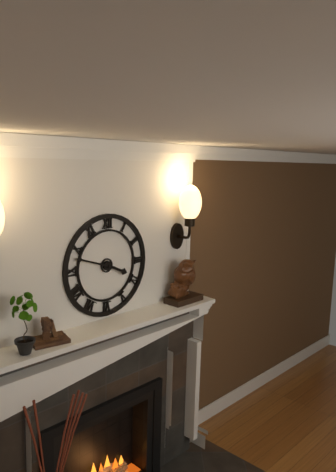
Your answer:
{"hour": 3, "minute": 48}
